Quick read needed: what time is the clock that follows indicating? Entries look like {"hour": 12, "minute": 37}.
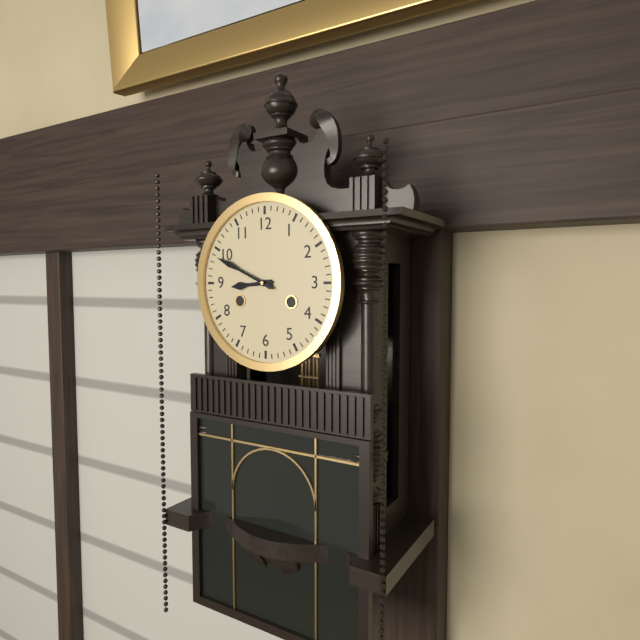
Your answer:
{"hour": 8, "minute": 49}
